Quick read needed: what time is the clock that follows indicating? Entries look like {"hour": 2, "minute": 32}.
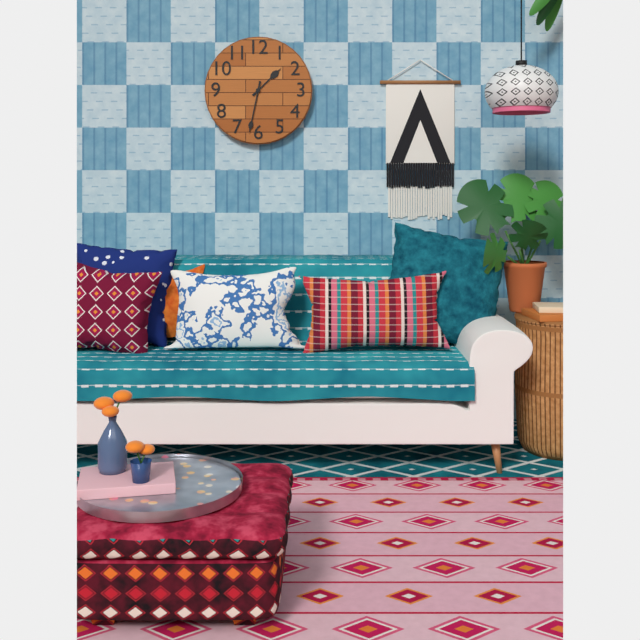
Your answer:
{"hour": 1, "minute": 32}
